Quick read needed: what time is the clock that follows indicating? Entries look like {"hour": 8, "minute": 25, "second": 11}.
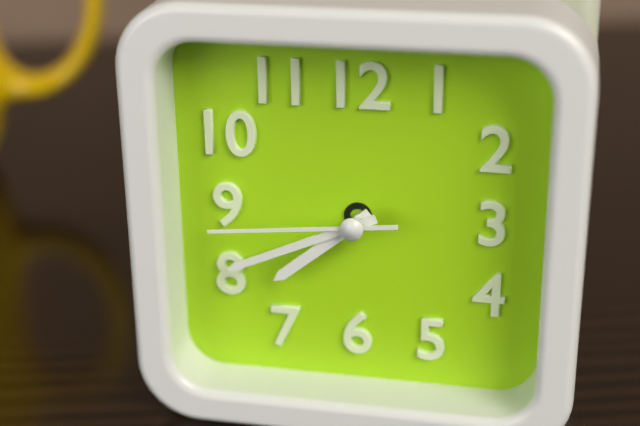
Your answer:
{"hour": 7, "minute": 41, "second": 44}
